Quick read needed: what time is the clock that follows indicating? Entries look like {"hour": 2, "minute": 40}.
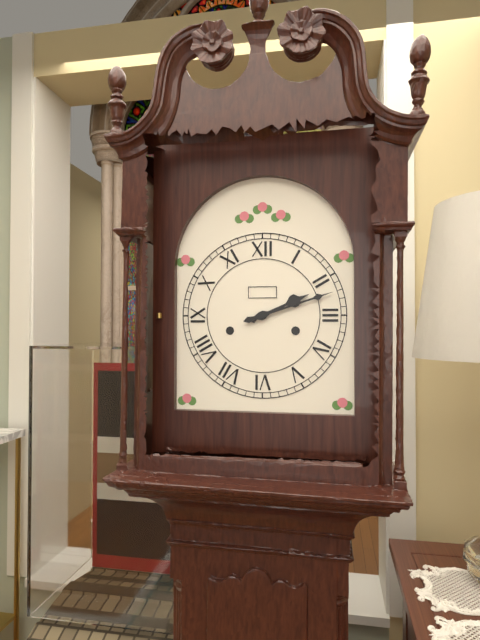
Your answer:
{"hour": 2, "minute": 12}
